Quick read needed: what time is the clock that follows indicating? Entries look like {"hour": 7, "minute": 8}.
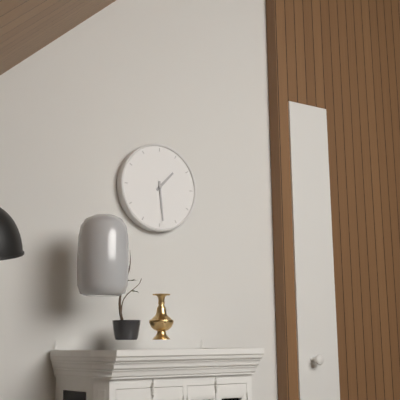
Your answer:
{"hour": 1, "minute": 29}
